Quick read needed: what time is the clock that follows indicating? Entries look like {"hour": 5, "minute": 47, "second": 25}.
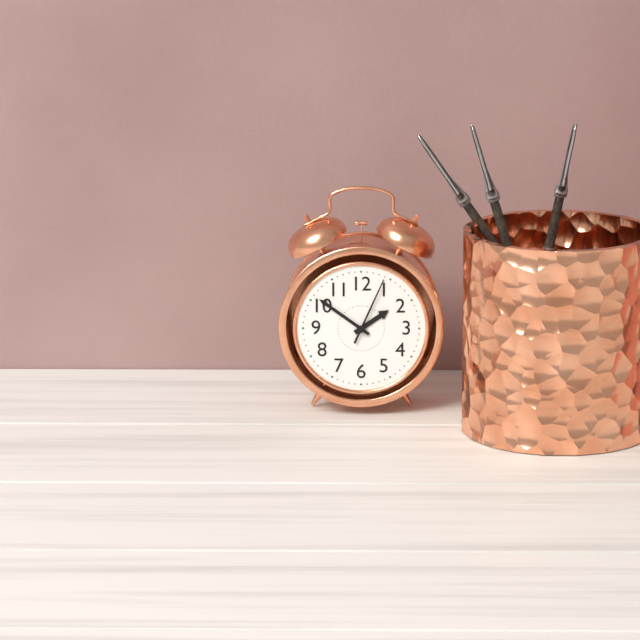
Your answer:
{"hour": 1, "minute": 51, "second": 4}
